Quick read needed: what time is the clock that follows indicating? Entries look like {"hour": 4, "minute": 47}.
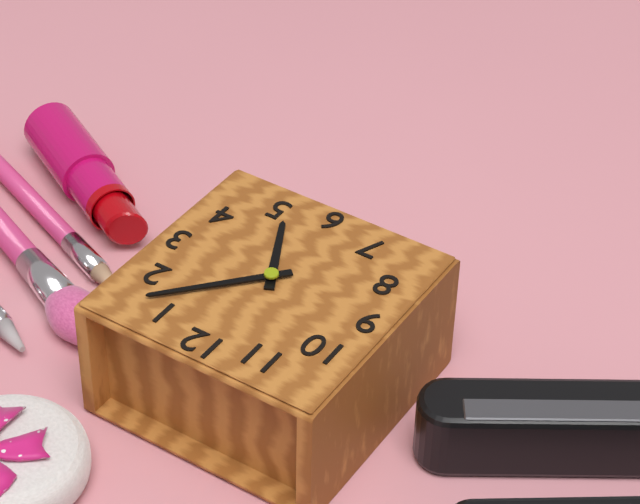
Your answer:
{"hour": 5, "minute": 7}
